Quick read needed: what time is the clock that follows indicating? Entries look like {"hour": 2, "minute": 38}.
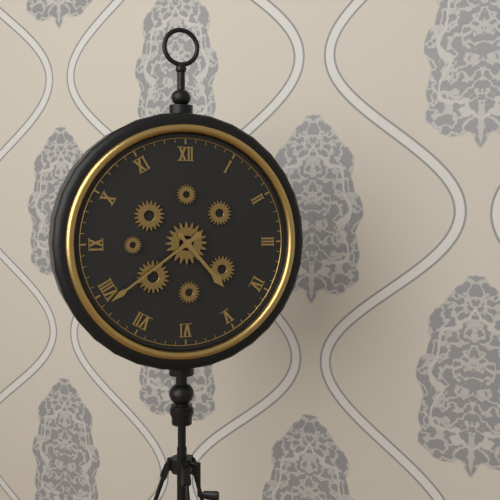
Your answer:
{"hour": 4, "minute": 39}
